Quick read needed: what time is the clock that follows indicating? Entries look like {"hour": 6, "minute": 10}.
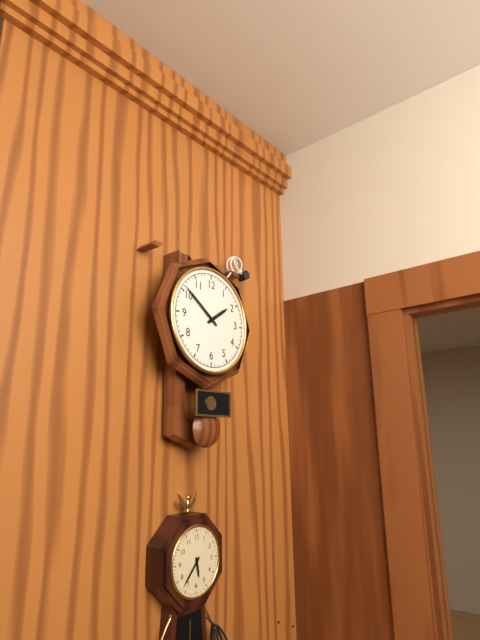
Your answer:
{"hour": 1, "minute": 51}
